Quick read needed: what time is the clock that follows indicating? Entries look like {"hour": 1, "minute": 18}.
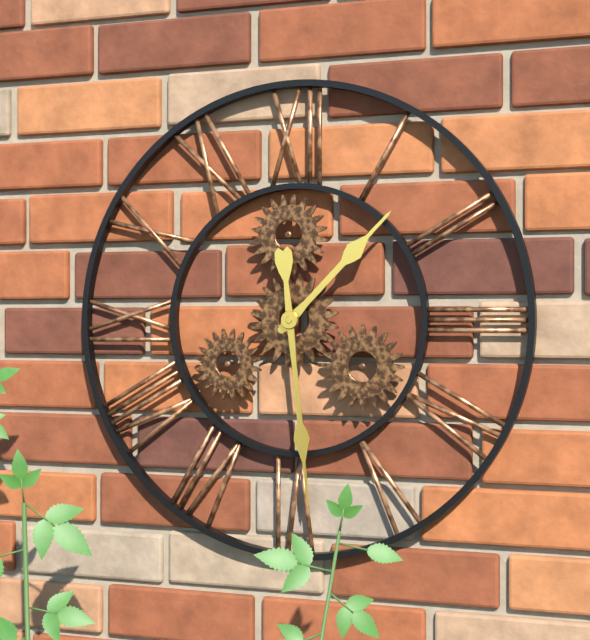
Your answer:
{"hour": 1, "minute": 29}
